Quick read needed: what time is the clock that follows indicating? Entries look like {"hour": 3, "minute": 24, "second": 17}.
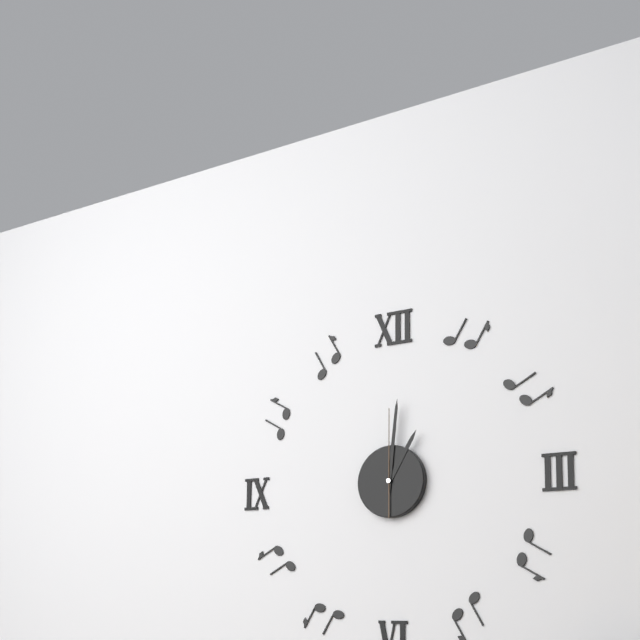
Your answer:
{"hour": 1, "minute": 1, "second": 0}
